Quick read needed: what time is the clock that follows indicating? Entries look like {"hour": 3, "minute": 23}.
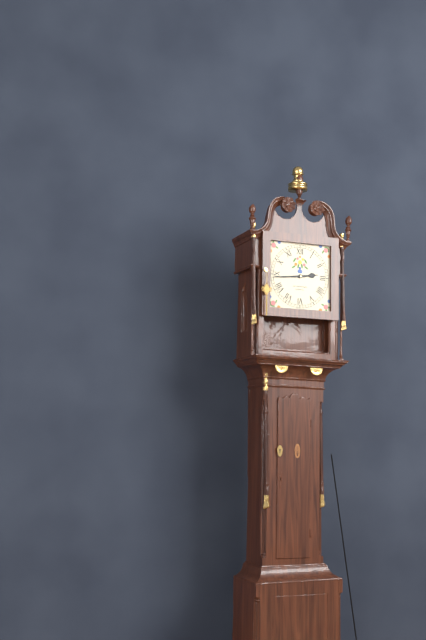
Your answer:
{"hour": 2, "minute": 44}
